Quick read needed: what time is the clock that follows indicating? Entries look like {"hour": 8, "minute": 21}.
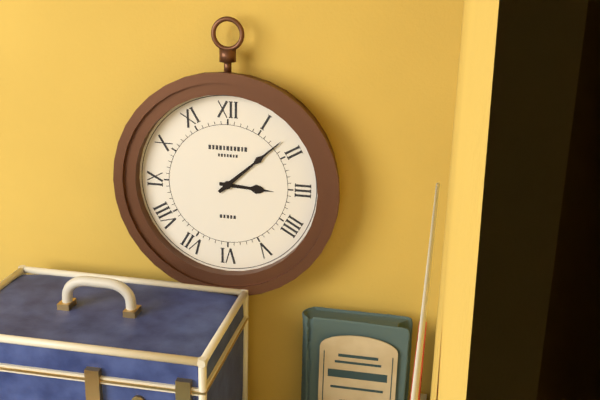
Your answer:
{"hour": 3, "minute": 8}
